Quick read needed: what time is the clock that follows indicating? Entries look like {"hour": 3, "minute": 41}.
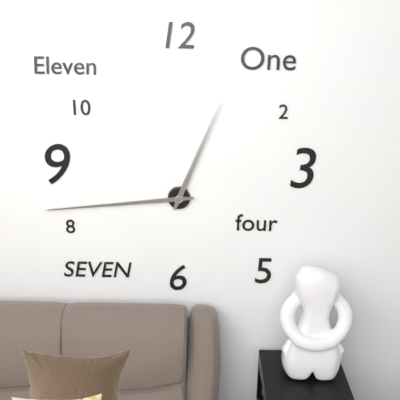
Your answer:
{"hour": 12, "minute": 44}
